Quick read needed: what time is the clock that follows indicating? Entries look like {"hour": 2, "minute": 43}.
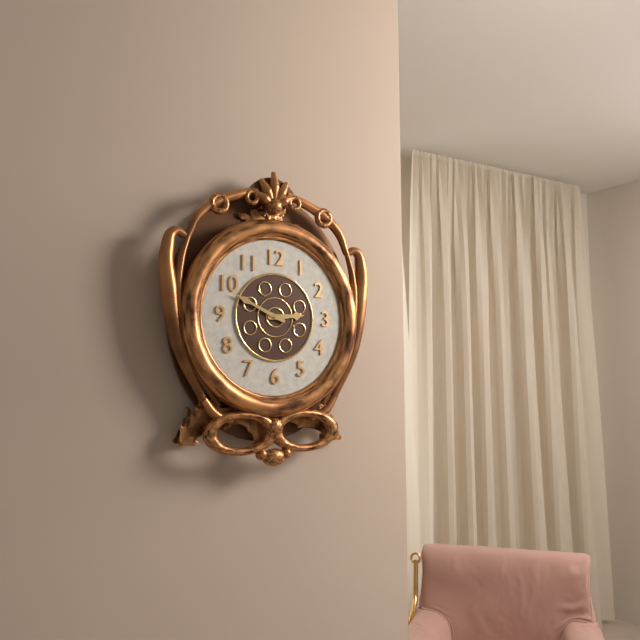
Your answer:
{"hour": 2, "minute": 49}
